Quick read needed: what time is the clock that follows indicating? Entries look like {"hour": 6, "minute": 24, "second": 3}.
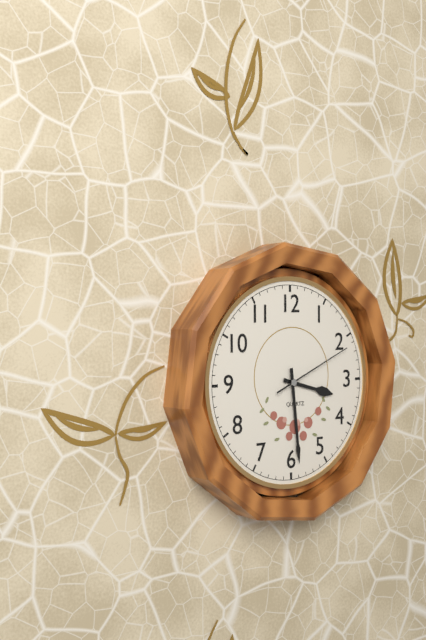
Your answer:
{"hour": 3, "minute": 29, "second": 11}
